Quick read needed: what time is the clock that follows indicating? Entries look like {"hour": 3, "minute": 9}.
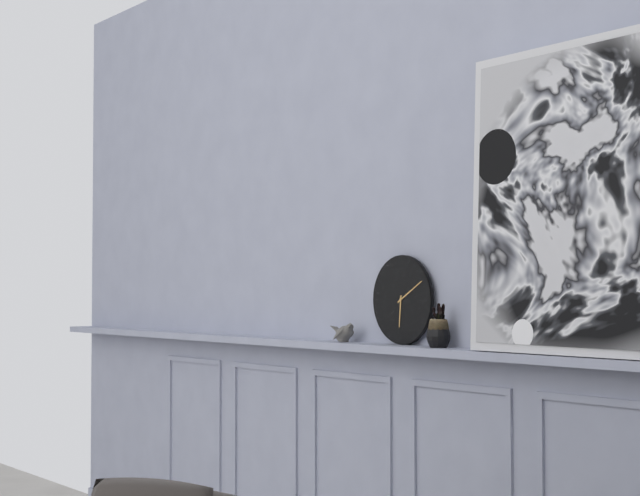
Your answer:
{"hour": 6, "minute": 10}
